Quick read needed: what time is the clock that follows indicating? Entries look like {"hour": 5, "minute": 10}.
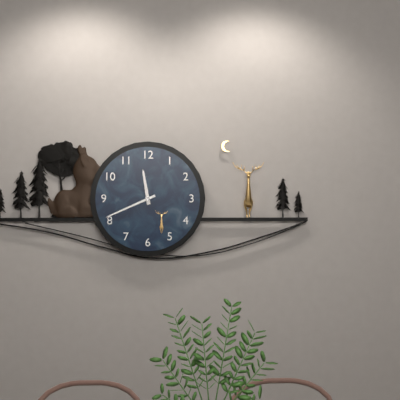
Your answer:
{"hour": 11, "minute": 41}
